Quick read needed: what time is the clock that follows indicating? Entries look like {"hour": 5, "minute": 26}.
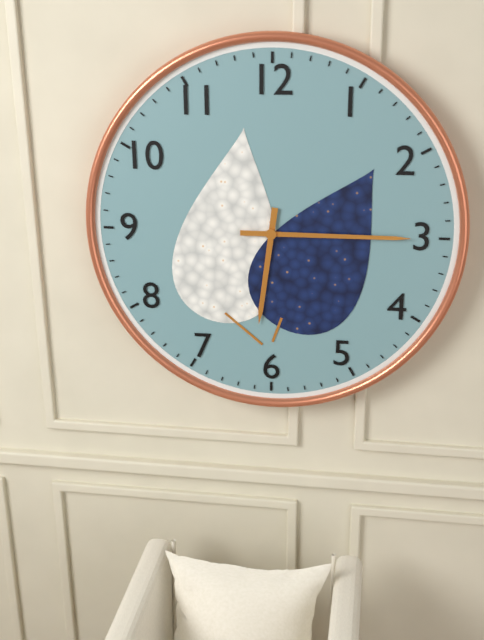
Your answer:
{"hour": 6, "minute": 15}
